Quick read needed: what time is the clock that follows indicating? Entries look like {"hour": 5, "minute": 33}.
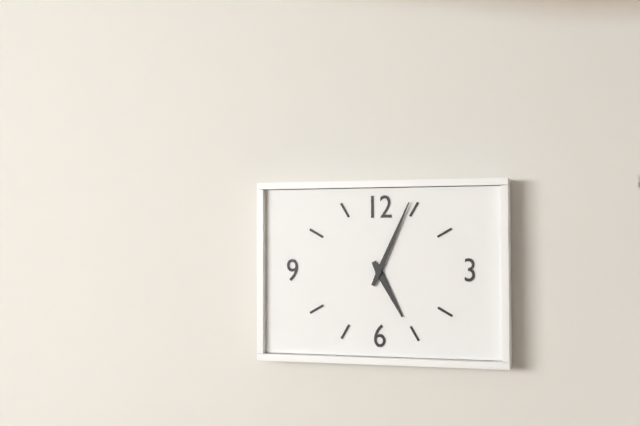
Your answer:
{"hour": 5, "minute": 4}
